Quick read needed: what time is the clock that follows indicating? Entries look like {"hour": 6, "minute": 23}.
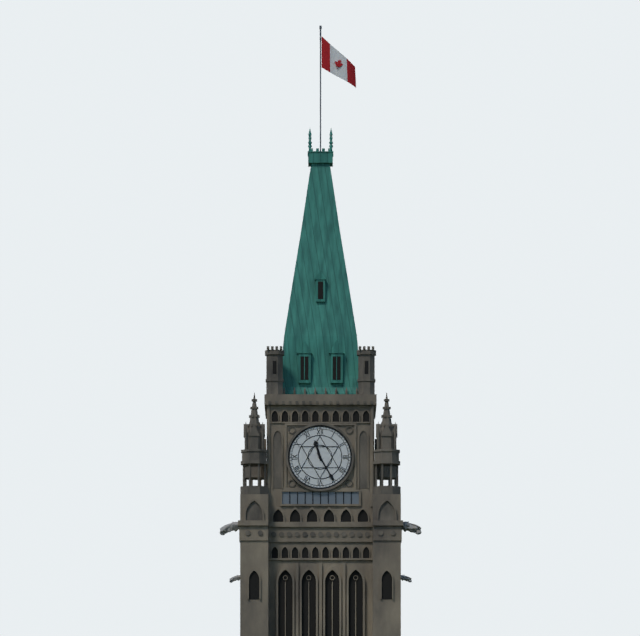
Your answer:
{"hour": 11, "minute": 25}
